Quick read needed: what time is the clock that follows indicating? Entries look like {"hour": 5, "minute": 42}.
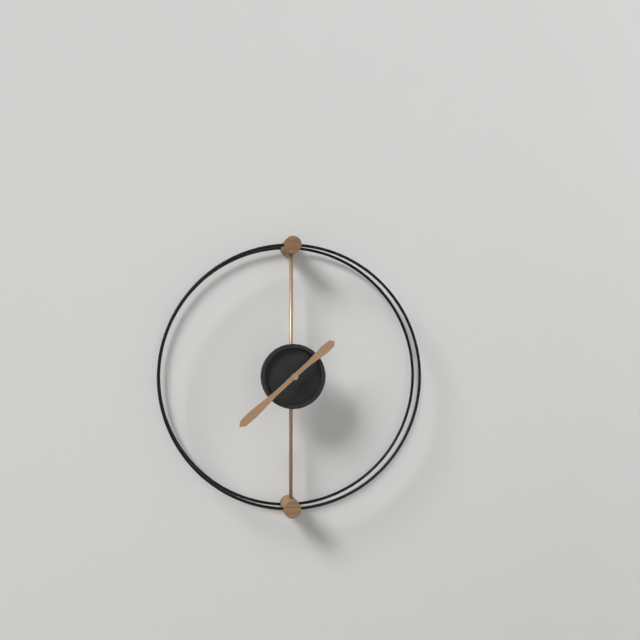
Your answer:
{"hour": 1, "minute": 38}
